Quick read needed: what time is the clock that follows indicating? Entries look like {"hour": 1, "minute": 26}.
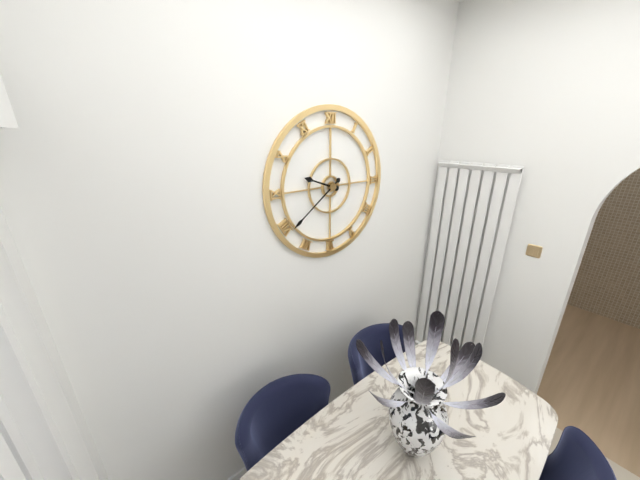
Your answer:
{"hour": 9, "minute": 39}
